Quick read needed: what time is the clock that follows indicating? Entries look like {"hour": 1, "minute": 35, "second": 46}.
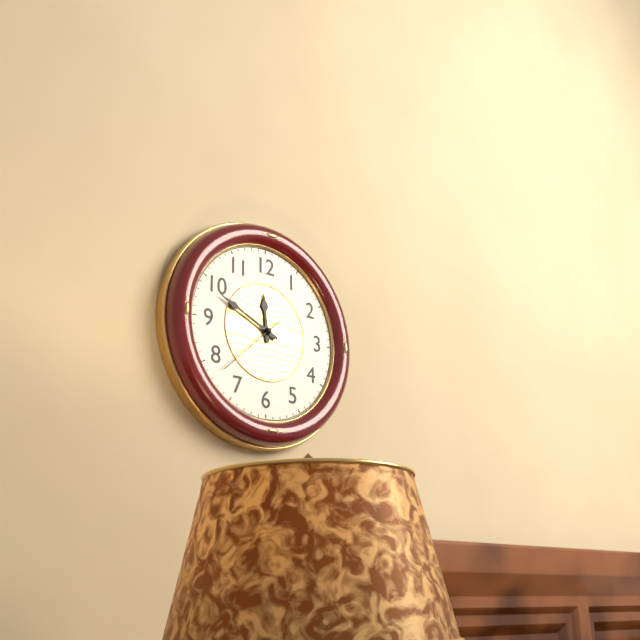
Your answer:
{"hour": 11, "minute": 49, "second": 38}
